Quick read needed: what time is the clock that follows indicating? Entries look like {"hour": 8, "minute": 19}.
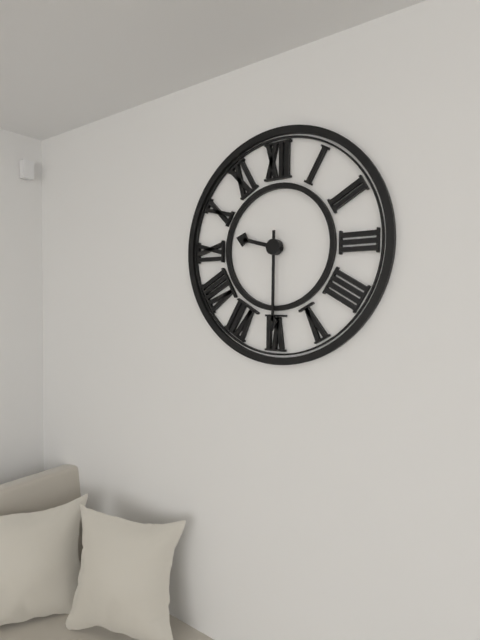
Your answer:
{"hour": 9, "minute": 30}
